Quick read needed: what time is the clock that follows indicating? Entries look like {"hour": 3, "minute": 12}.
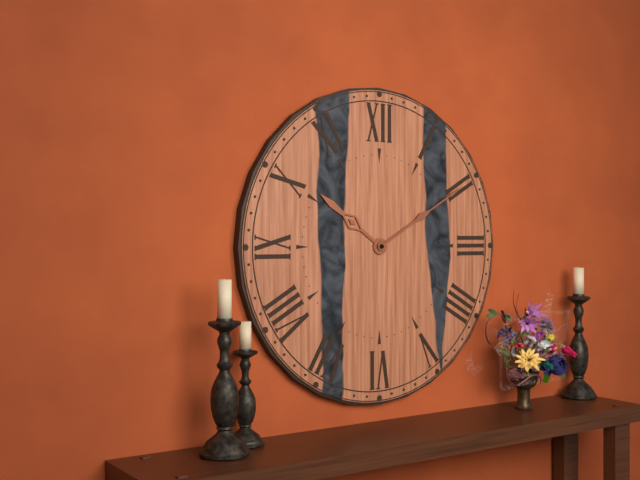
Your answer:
{"hour": 10, "minute": 10}
